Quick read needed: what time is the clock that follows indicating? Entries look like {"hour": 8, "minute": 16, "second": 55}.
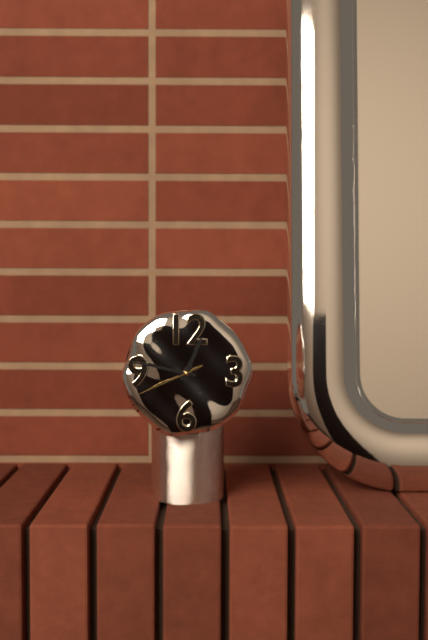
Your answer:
{"hour": 12, "minute": 47, "second": 41}
